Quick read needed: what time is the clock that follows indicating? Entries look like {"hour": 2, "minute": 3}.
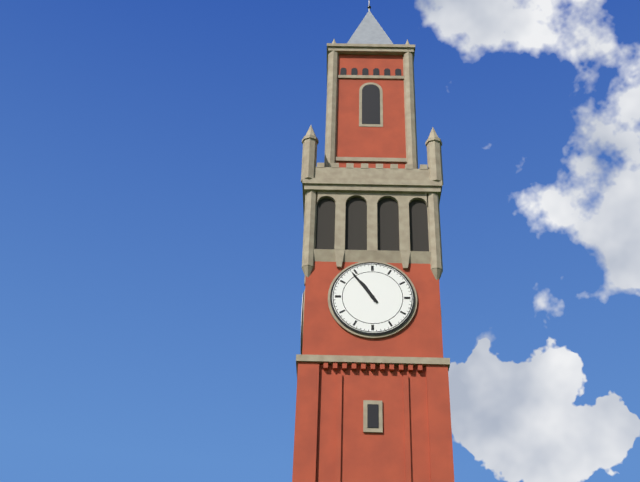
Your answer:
{"hour": 10, "minute": 54}
